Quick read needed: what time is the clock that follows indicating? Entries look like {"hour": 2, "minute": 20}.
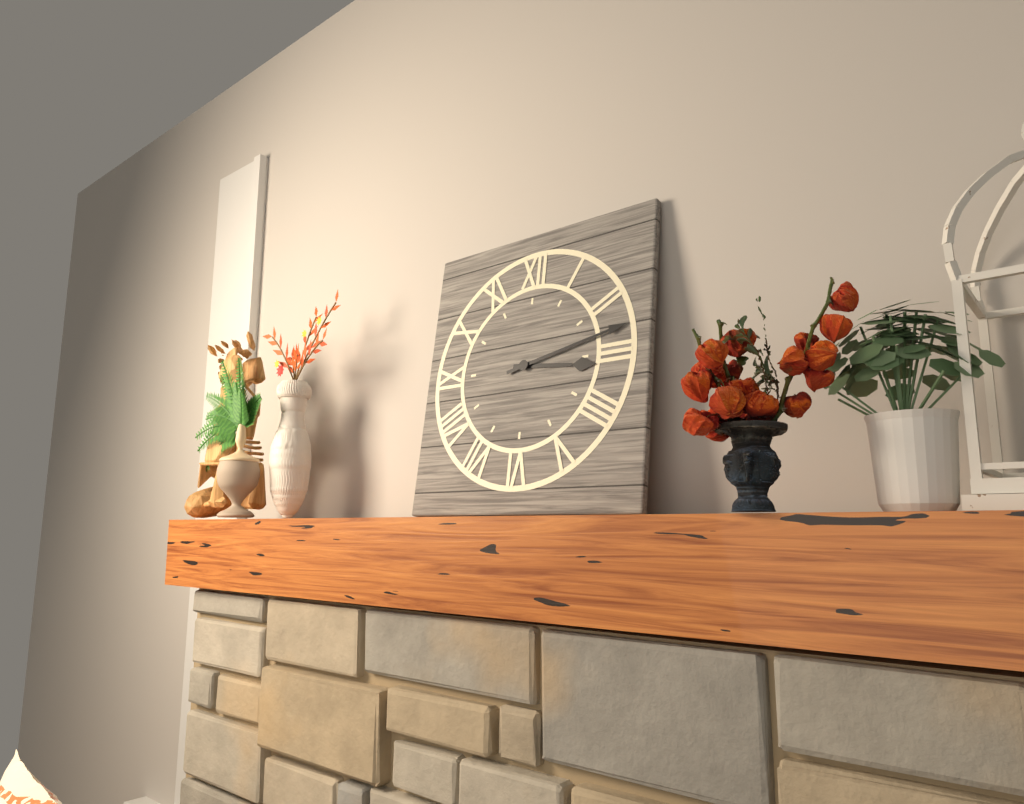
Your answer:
{"hour": 3, "minute": 13}
